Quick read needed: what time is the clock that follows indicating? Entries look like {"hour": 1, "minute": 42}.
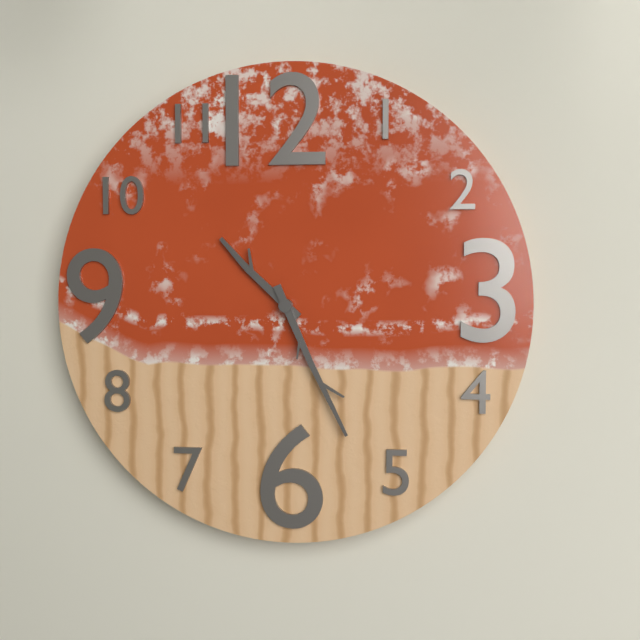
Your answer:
{"hour": 10, "minute": 26}
